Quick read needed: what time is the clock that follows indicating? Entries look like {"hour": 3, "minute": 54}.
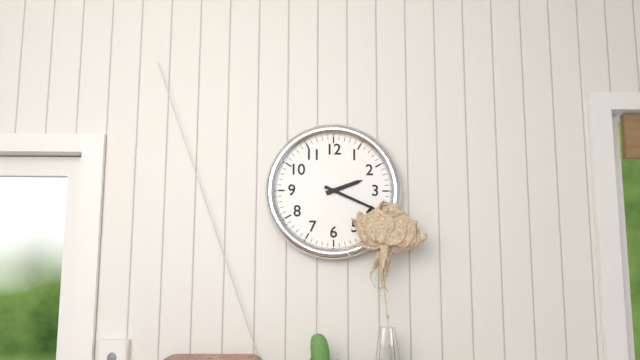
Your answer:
{"hour": 2, "minute": 19}
